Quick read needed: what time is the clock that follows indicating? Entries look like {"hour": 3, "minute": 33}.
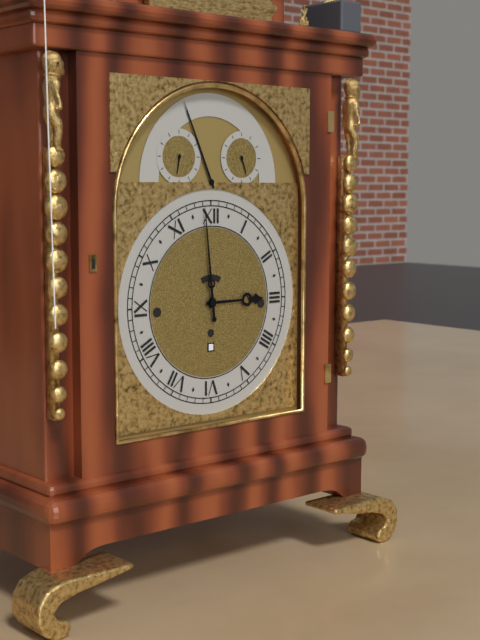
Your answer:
{"hour": 2, "minute": 59}
